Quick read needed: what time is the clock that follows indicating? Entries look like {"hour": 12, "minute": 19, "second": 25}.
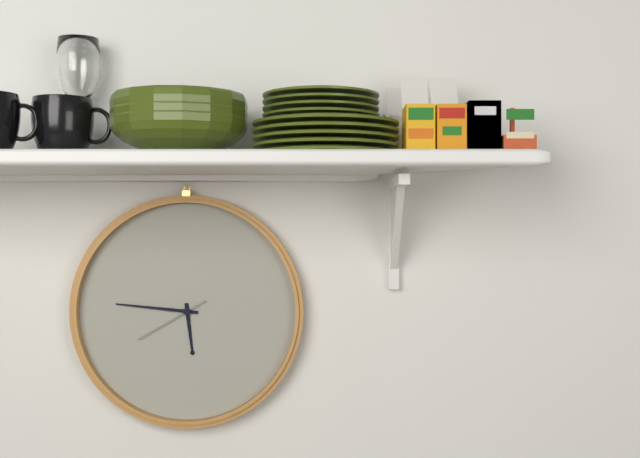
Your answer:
{"hour": 5, "minute": 46, "second": 40}
